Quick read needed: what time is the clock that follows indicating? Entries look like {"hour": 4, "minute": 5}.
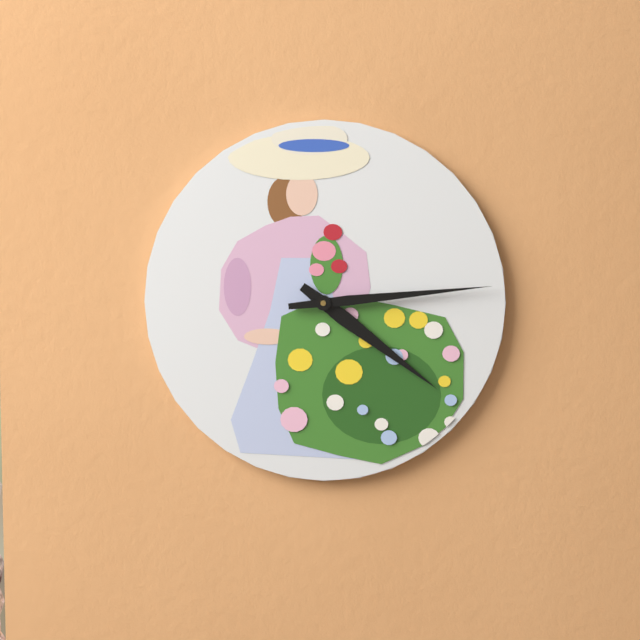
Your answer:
{"hour": 4, "minute": 14}
